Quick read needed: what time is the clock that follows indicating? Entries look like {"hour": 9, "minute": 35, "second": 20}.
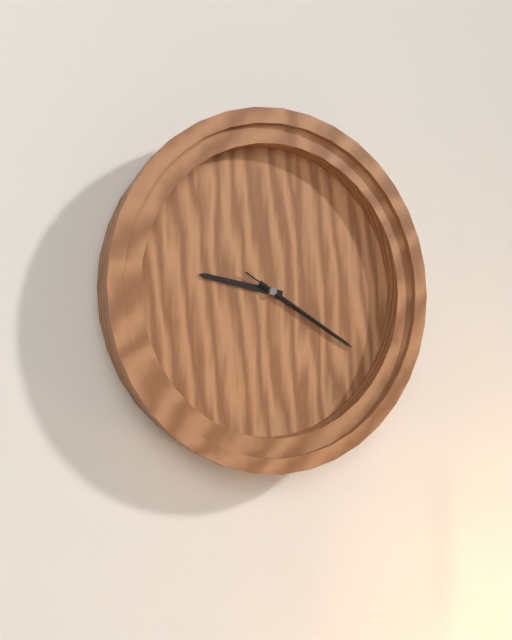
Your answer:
{"hour": 9, "minute": 20, "second": 20}
